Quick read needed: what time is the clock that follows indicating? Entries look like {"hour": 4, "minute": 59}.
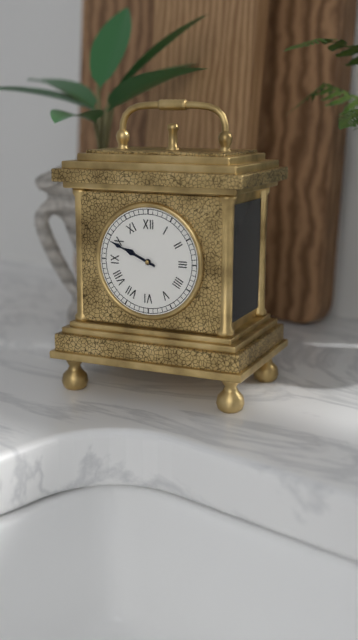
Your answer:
{"hour": 9, "minute": 49}
